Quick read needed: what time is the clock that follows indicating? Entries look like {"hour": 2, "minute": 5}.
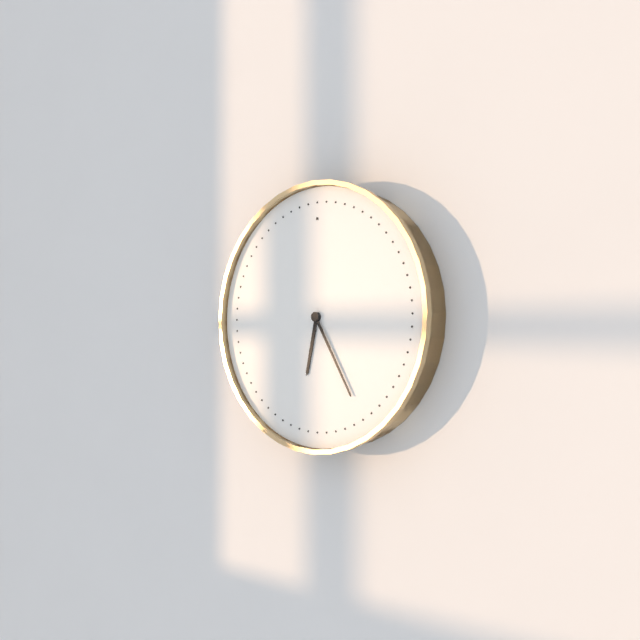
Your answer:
{"hour": 6, "minute": 25}
